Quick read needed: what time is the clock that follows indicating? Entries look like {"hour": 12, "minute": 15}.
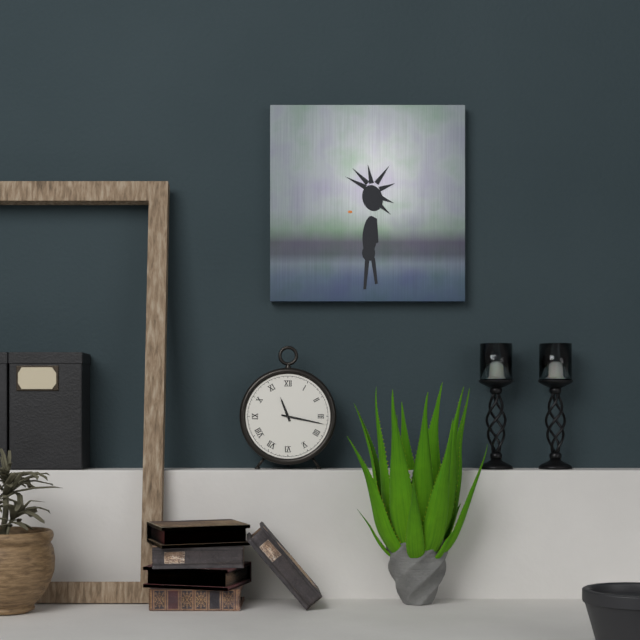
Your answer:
{"hour": 11, "minute": 17}
